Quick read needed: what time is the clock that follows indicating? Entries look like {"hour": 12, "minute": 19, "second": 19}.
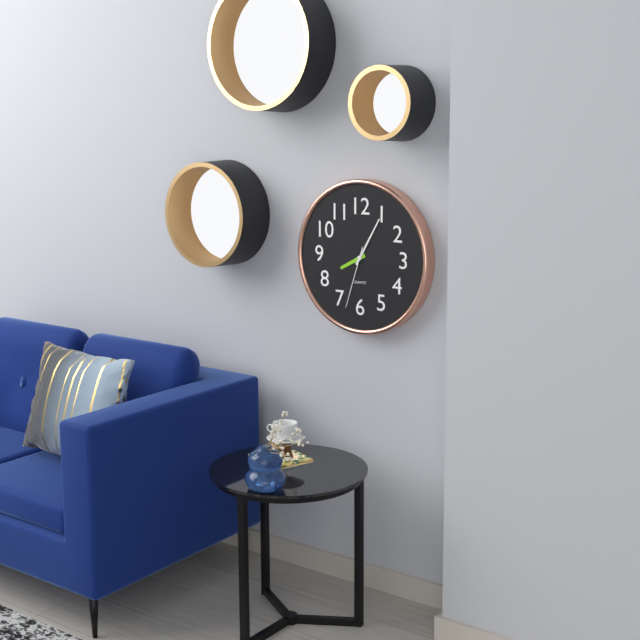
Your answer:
{"hour": 8, "minute": 5, "second": 33}
